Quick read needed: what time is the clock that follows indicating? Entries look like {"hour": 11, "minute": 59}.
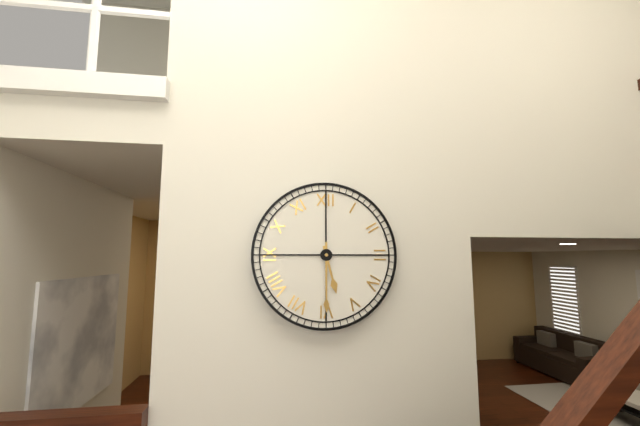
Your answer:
{"hour": 5, "minute": 30}
